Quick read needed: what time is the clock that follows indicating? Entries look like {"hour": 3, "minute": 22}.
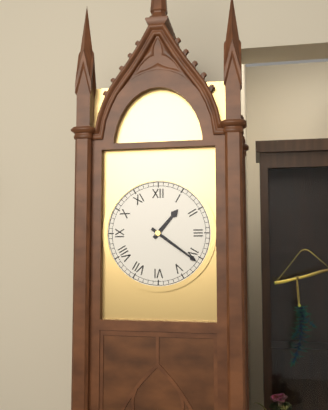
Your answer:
{"hour": 1, "minute": 21}
